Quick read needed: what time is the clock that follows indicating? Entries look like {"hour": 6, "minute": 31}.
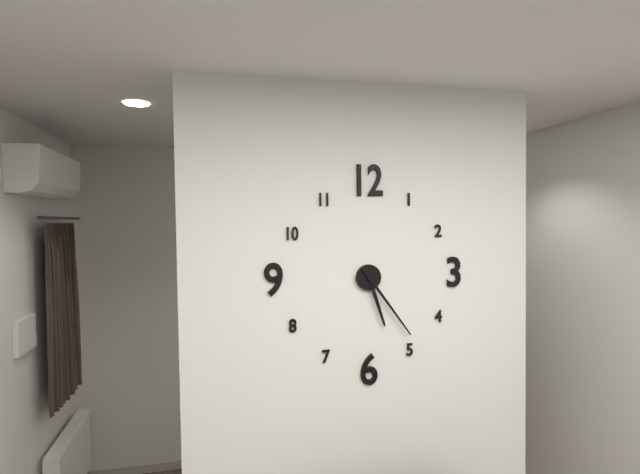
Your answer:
{"hour": 5, "minute": 24}
